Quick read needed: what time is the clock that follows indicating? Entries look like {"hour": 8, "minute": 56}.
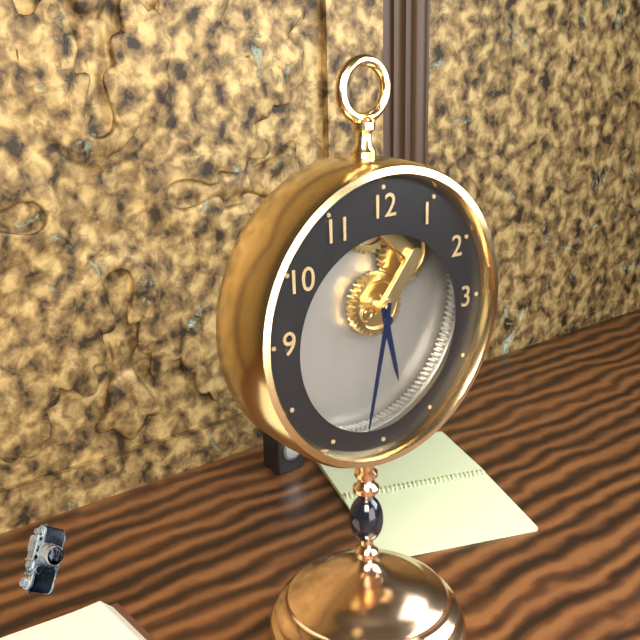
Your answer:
{"hour": 5, "minute": 32}
